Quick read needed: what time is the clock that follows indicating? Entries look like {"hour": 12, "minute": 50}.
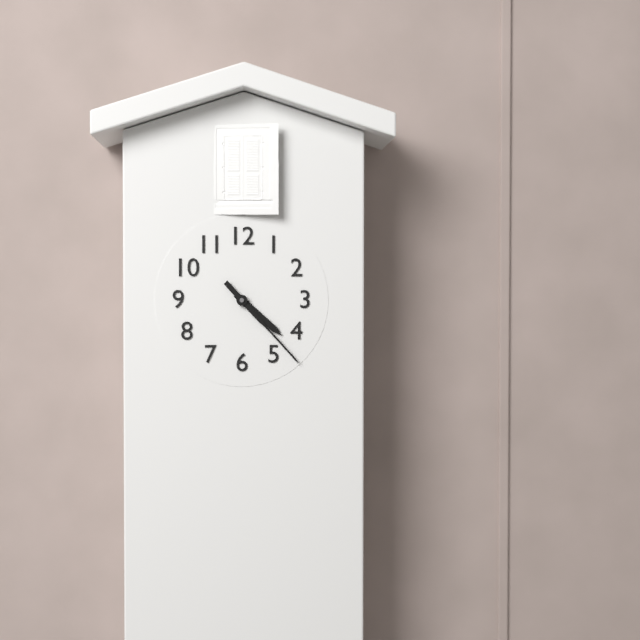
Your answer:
{"hour": 4, "minute": 23}
